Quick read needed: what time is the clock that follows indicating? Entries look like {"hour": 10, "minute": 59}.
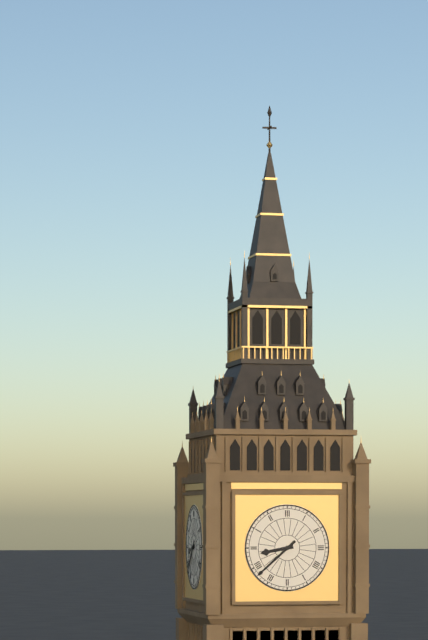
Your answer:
{"hour": 8, "minute": 38}
